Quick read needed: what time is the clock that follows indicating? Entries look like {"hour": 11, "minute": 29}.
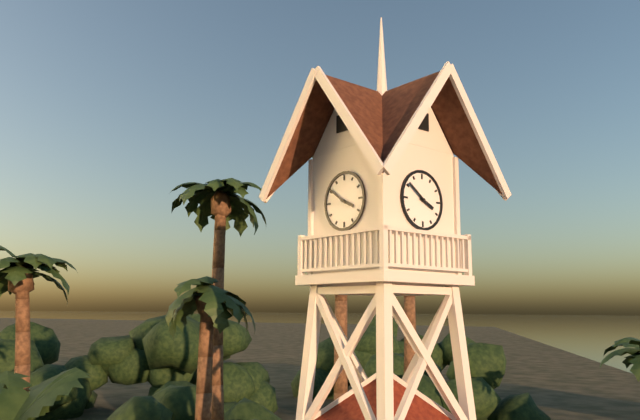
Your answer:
{"hour": 3, "minute": 51}
